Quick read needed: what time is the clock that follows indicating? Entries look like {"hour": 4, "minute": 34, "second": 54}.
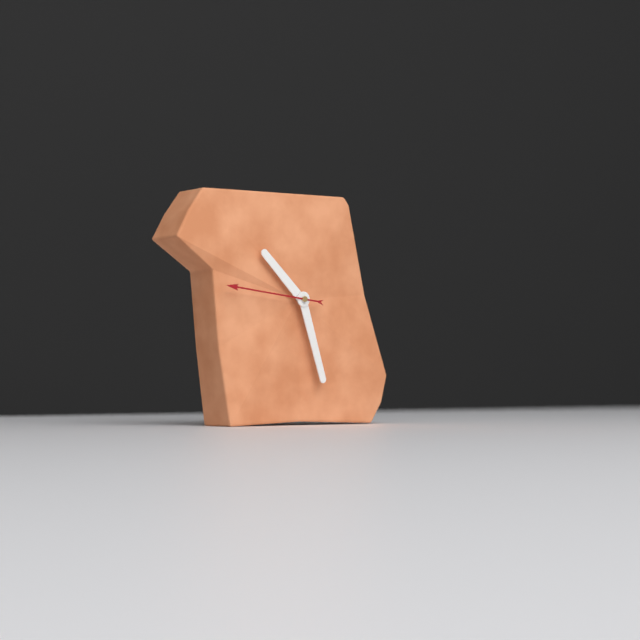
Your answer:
{"hour": 10, "minute": 27, "second": 46}
